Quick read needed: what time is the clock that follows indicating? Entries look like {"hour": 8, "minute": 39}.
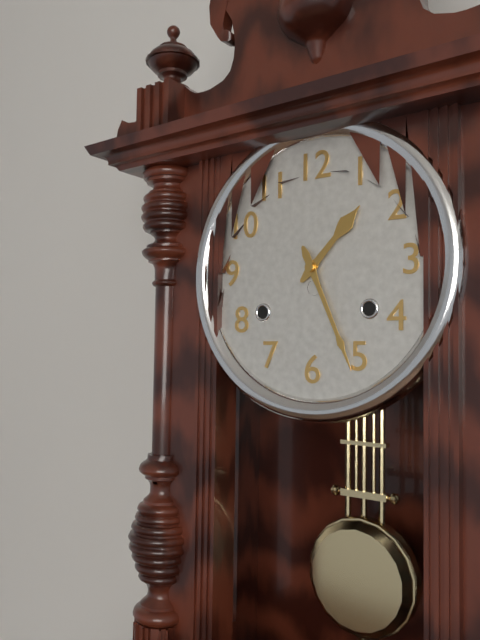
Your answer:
{"hour": 1, "minute": 26}
